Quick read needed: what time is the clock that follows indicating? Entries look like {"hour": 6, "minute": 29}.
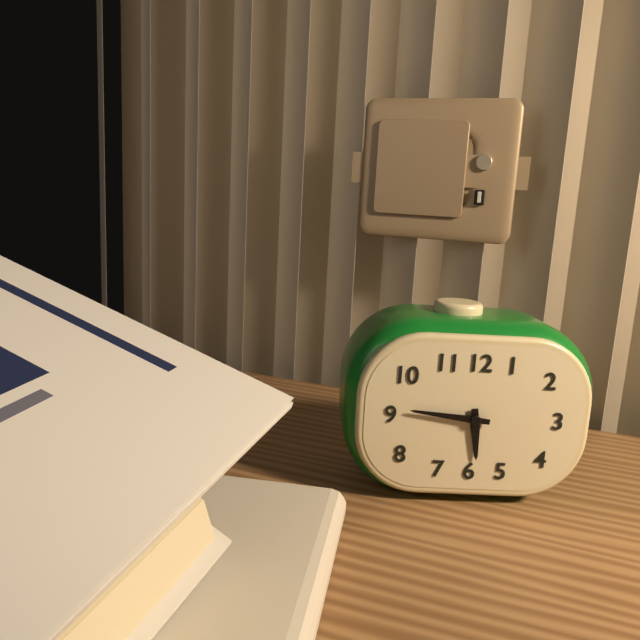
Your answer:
{"hour": 5, "minute": 46}
